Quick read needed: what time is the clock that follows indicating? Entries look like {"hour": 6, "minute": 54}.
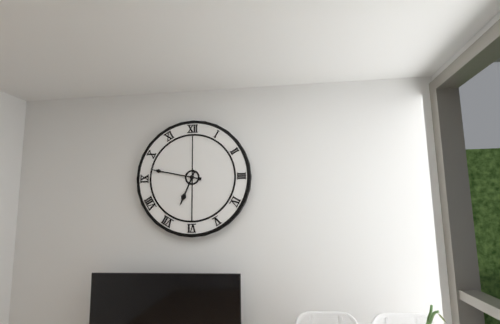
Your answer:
{"hour": 6, "minute": 47}
